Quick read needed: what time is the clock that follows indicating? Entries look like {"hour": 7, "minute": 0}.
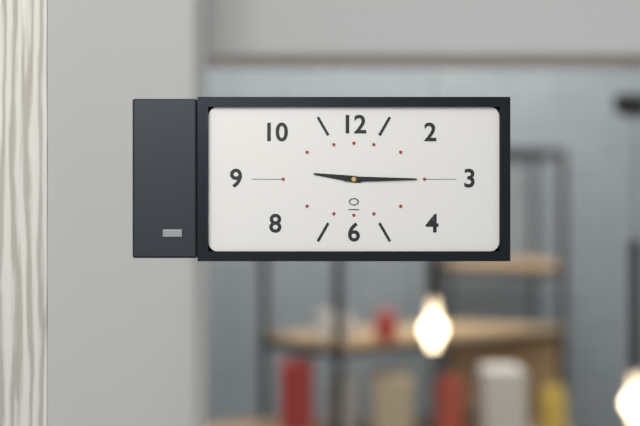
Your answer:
{"hour": 9, "minute": 15}
